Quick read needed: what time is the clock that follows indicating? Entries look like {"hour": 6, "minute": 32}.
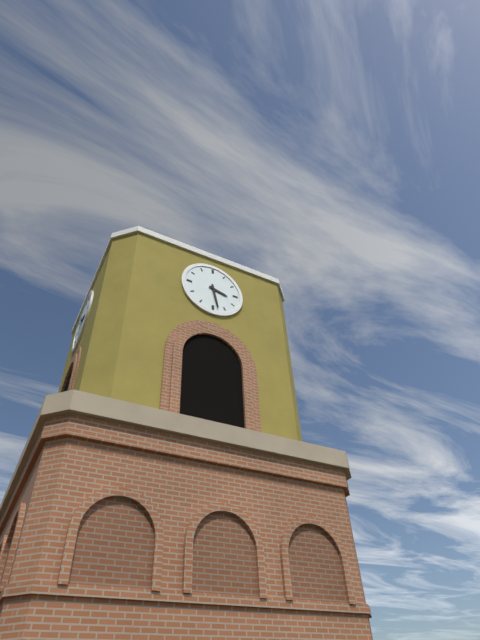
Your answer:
{"hour": 3, "minute": 28}
